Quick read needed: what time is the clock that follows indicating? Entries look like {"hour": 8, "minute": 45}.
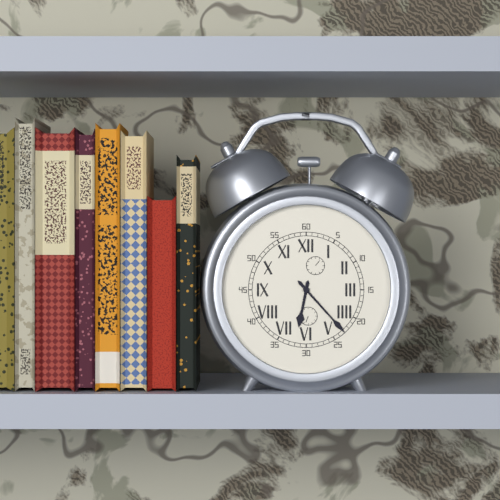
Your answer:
{"hour": 6, "minute": 23}
